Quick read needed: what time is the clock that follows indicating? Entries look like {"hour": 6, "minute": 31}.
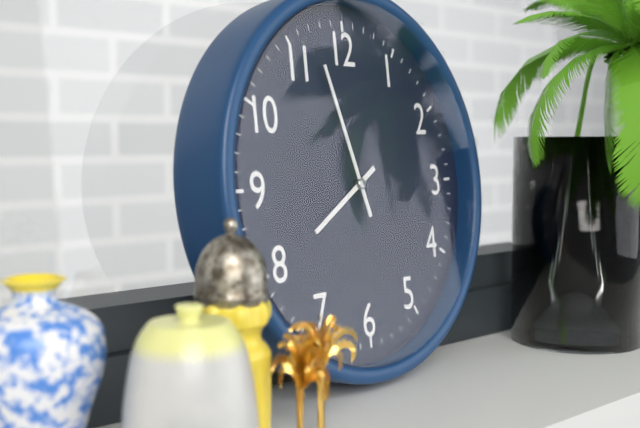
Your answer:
{"hour": 7, "minute": 57}
